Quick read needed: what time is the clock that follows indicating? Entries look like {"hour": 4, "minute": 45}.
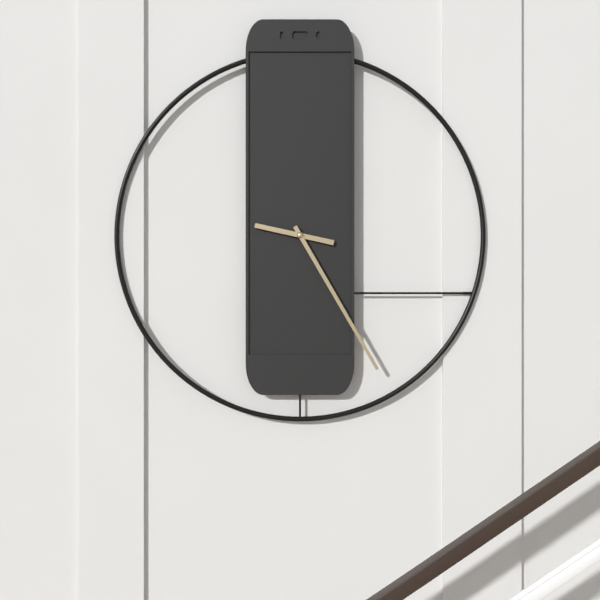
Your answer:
{"hour": 9, "minute": 25}
